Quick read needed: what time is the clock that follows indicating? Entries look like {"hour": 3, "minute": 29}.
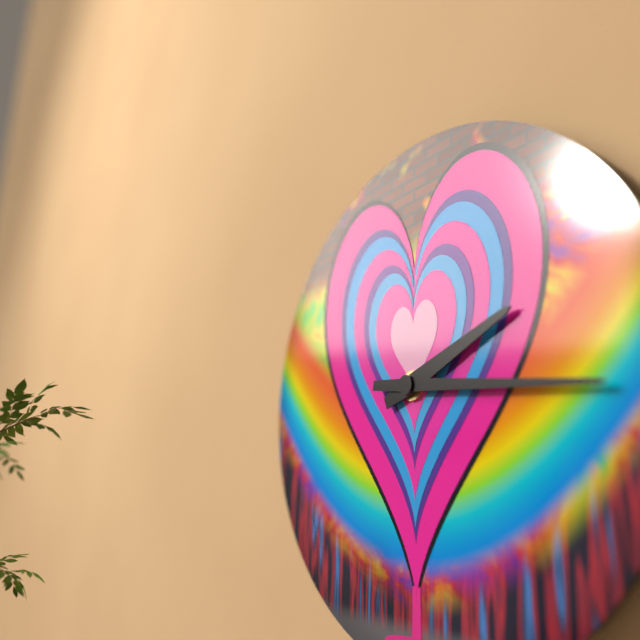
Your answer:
{"hour": 2, "minute": 16}
